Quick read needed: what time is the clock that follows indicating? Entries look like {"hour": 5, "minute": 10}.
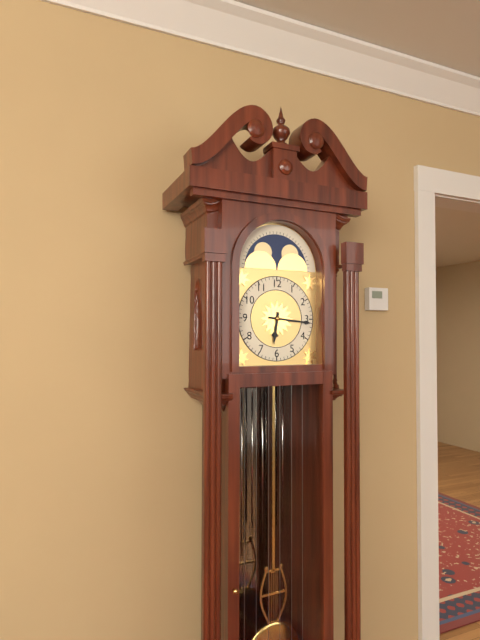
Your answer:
{"hour": 6, "minute": 16}
